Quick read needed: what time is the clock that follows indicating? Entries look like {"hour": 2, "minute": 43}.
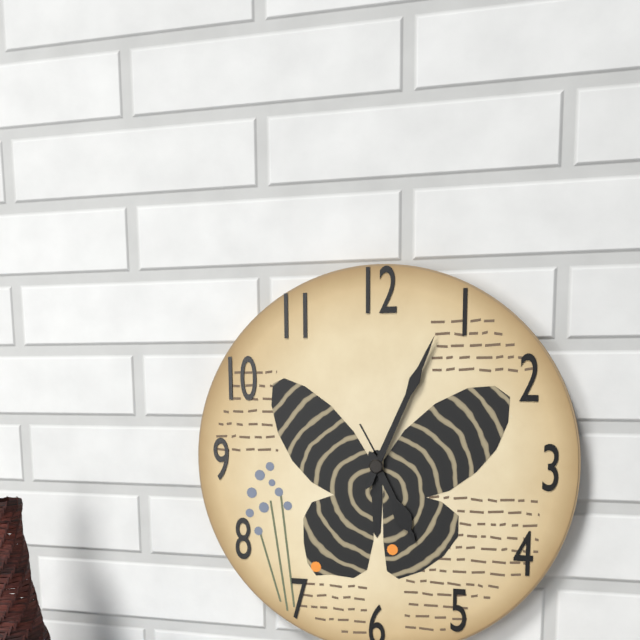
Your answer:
{"hour": 5, "minute": 4}
